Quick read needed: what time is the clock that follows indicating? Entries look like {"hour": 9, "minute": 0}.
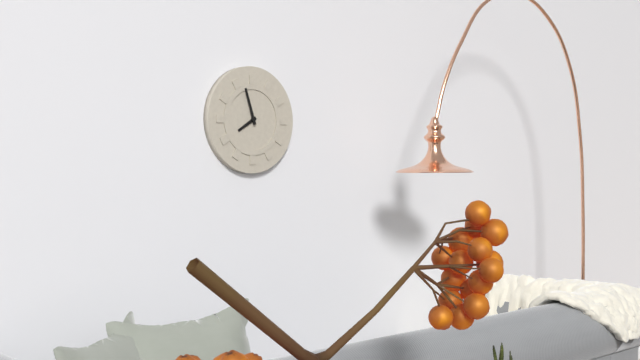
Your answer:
{"hour": 7, "minute": 57}
